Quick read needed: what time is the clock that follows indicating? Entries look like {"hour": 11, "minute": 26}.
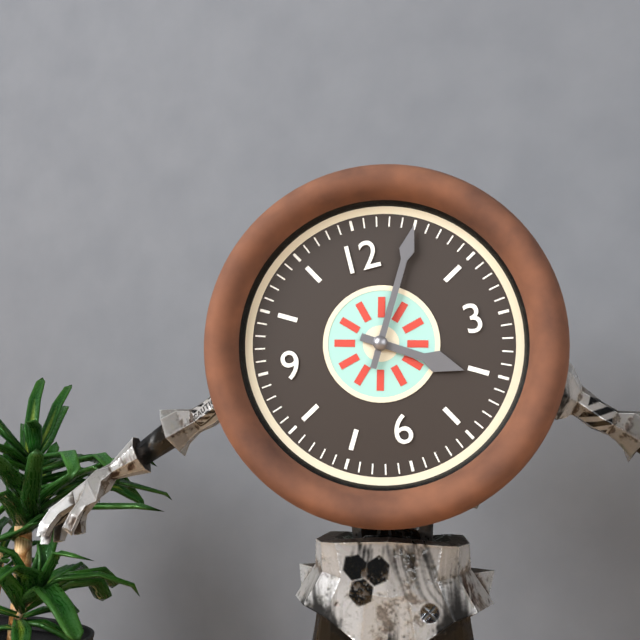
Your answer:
{"hour": 4, "minute": 5}
